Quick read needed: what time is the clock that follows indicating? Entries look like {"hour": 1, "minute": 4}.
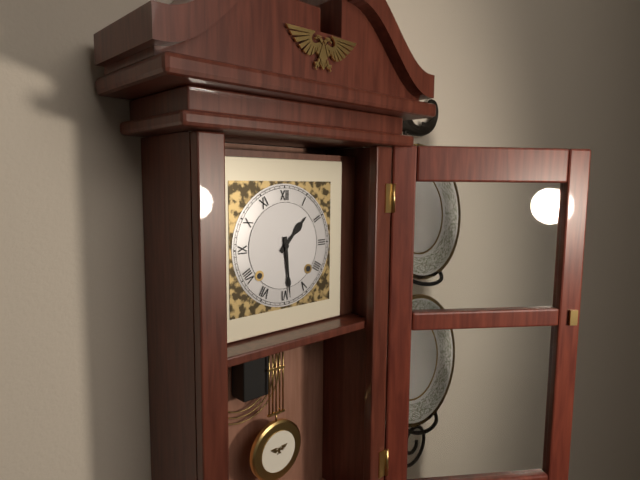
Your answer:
{"hour": 1, "minute": 29}
